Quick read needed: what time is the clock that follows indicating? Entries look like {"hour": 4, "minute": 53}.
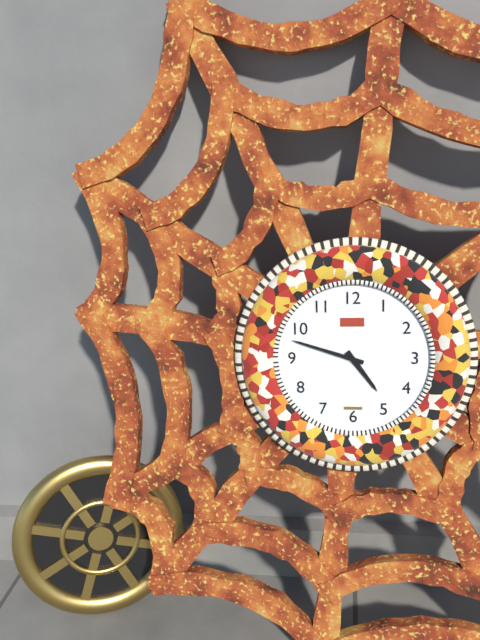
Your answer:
{"hour": 4, "minute": 48}
